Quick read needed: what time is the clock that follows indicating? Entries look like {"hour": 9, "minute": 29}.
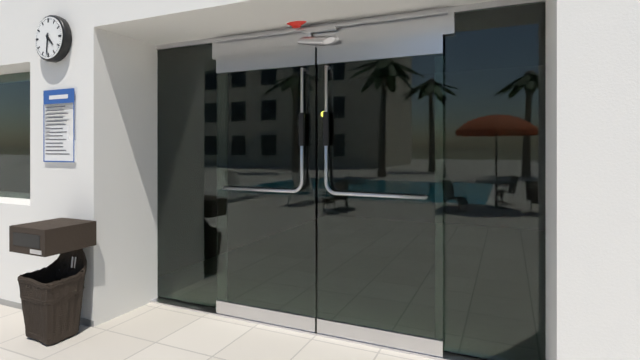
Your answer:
{"hour": 4, "minute": 31}
